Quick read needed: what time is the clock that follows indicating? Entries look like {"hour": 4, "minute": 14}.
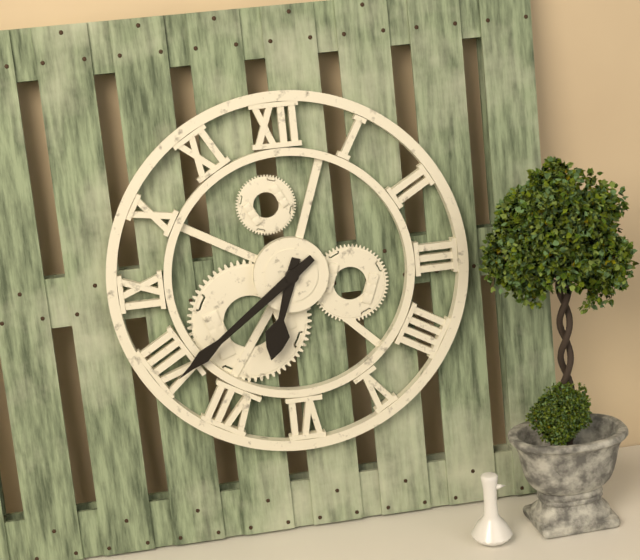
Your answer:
{"hour": 6, "minute": 39}
